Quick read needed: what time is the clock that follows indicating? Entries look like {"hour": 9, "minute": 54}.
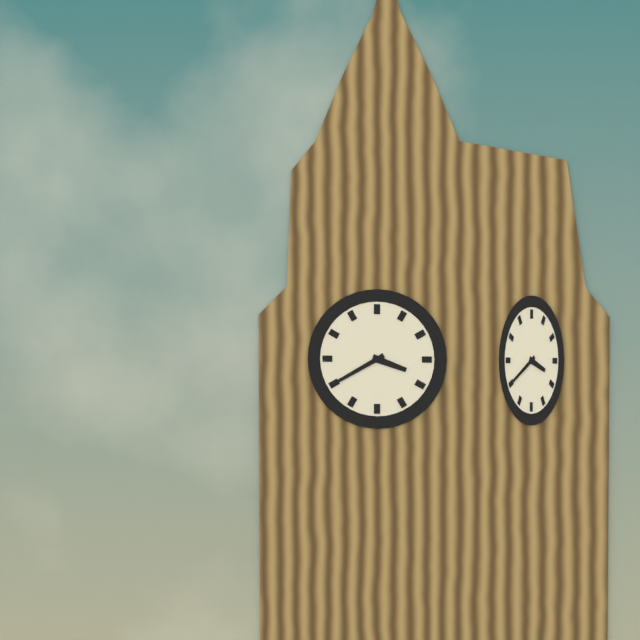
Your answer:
{"hour": 3, "minute": 40}
